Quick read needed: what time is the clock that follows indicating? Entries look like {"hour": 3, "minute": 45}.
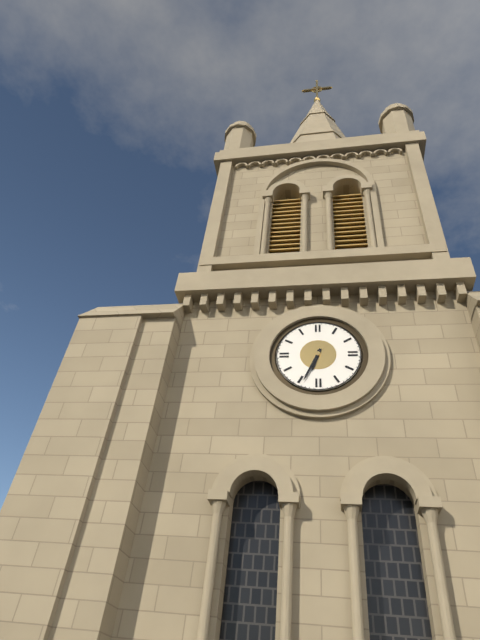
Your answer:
{"hour": 6, "minute": 34}
